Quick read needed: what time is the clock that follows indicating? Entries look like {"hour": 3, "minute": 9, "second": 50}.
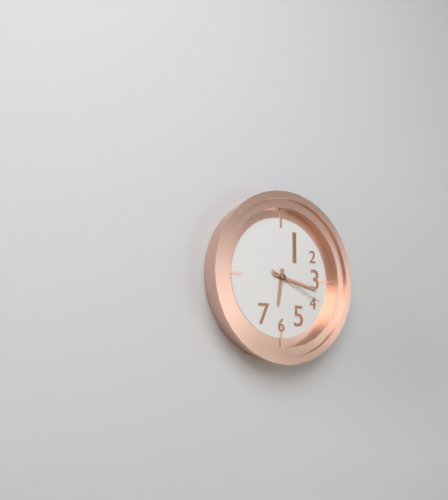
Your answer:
{"hour": 6, "minute": 17, "second": 19}
